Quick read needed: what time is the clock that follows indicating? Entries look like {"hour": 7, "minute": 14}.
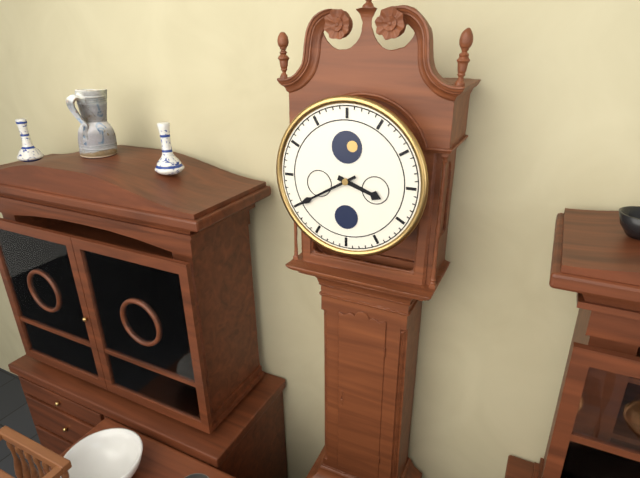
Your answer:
{"hour": 3, "minute": 40}
